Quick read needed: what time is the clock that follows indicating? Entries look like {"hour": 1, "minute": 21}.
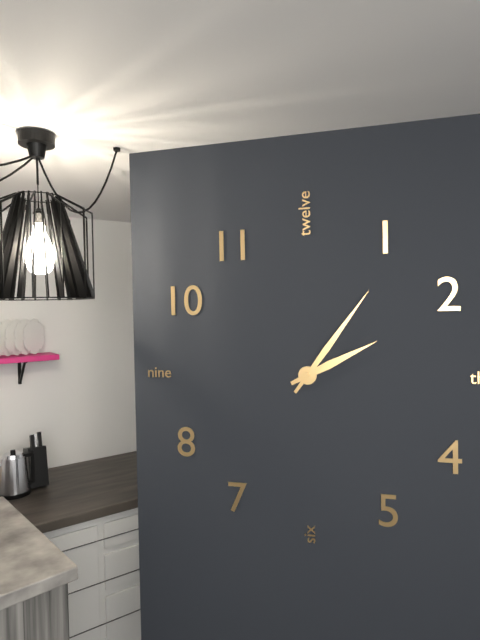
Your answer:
{"hour": 2, "minute": 6}
